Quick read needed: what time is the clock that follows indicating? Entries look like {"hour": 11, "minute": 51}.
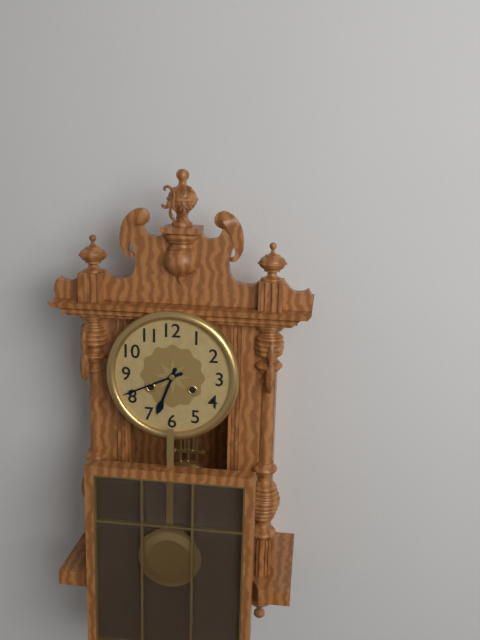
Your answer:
{"hour": 6, "minute": 41}
